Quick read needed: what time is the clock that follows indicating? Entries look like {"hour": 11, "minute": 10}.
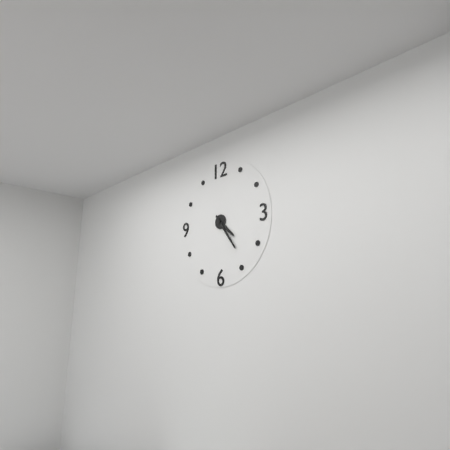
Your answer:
{"hour": 4, "minute": 24}
